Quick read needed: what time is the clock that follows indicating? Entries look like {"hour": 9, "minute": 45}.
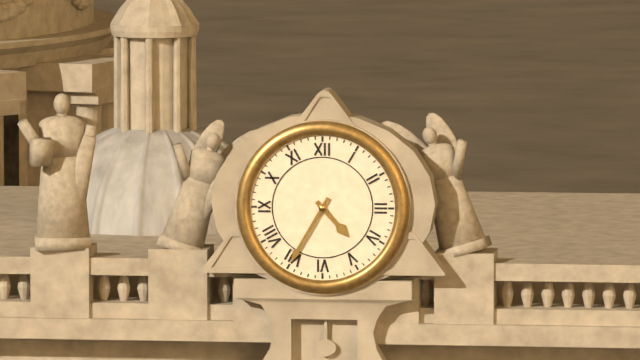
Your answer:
{"hour": 4, "minute": 35}
